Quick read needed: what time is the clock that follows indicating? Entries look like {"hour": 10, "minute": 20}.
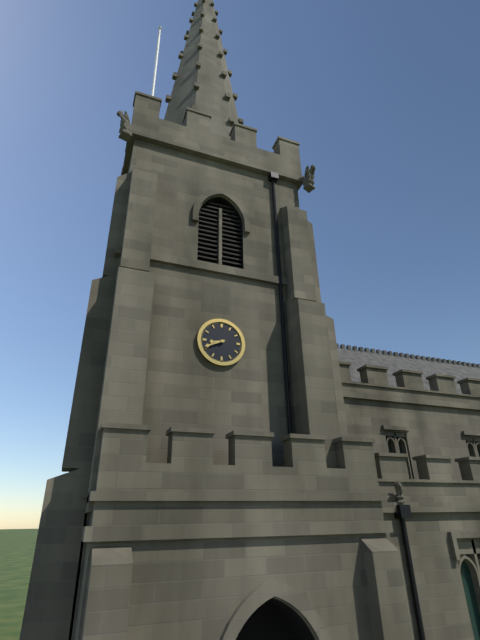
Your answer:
{"hour": 8, "minute": 41}
